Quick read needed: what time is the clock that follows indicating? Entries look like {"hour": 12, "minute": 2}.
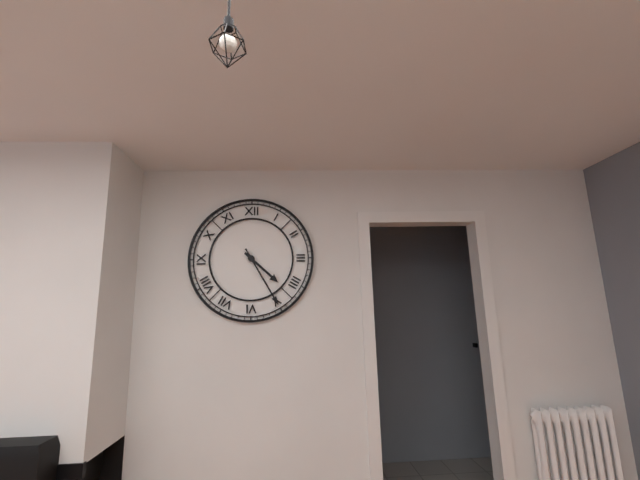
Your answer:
{"hour": 4, "minute": 25}
